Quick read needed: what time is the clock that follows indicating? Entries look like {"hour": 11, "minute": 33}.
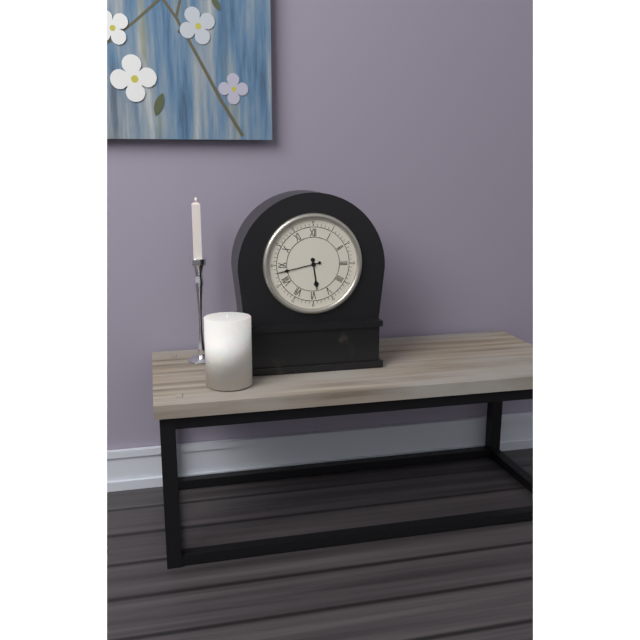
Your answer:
{"hour": 5, "minute": 43}
